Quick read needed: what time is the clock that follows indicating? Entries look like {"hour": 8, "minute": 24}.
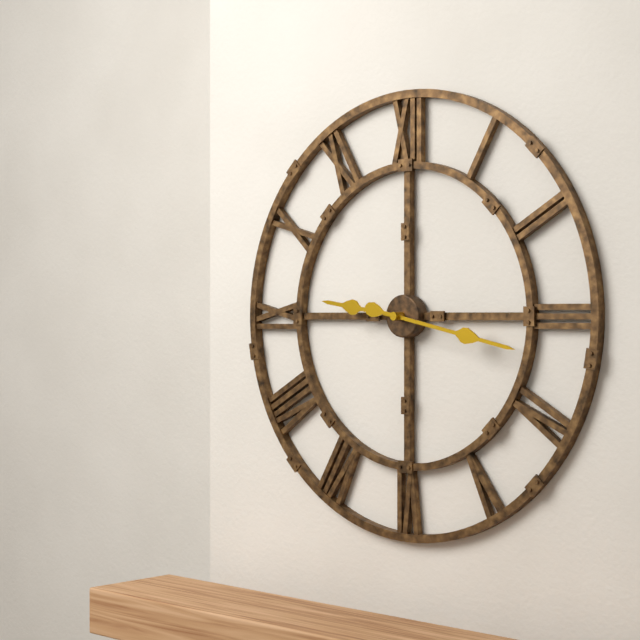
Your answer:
{"hour": 9, "minute": 17}
